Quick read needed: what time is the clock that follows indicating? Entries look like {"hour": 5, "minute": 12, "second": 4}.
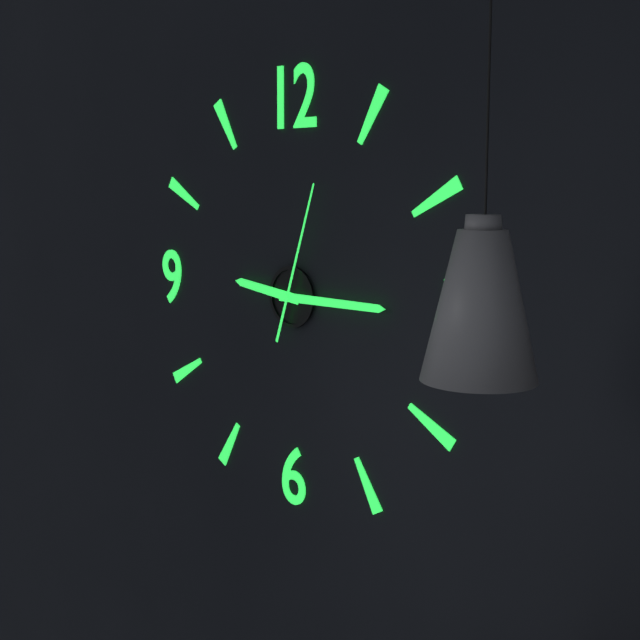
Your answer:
{"hour": 9, "minute": 15, "second": 3}
